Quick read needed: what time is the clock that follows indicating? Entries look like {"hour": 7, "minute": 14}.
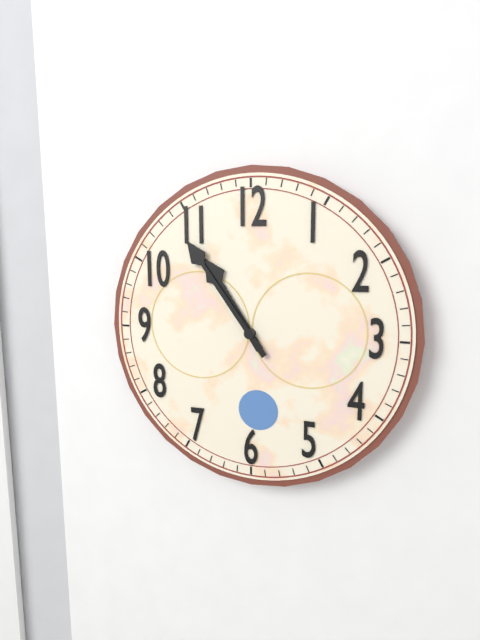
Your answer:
{"hour": 10, "minute": 54}
